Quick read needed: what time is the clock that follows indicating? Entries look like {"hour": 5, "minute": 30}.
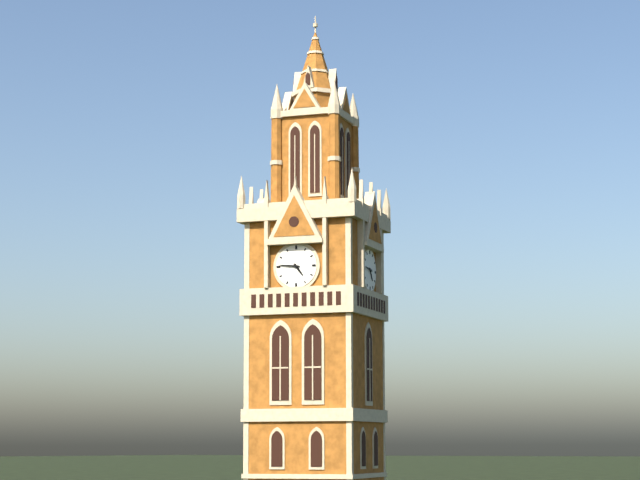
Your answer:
{"hour": 4, "minute": 46}
